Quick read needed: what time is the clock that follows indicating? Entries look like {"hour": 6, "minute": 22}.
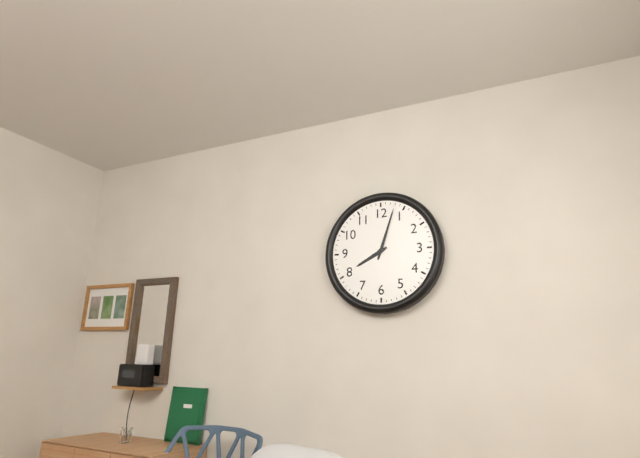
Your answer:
{"hour": 8, "minute": 3}
